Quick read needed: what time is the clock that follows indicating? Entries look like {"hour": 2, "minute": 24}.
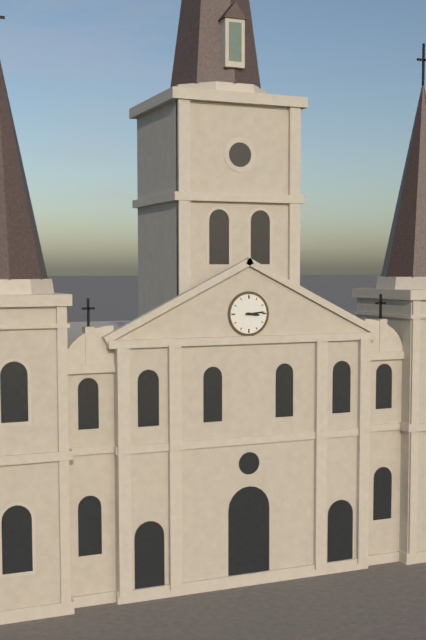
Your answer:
{"hour": 3, "minute": 14}
